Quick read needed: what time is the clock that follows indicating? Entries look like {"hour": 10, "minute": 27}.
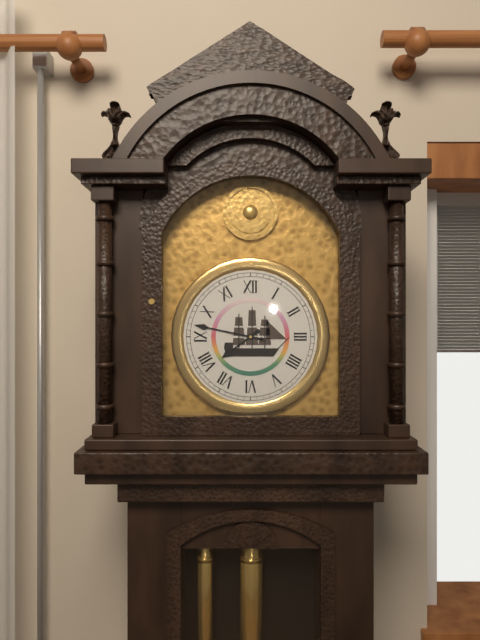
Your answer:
{"hour": 7, "minute": 47}
